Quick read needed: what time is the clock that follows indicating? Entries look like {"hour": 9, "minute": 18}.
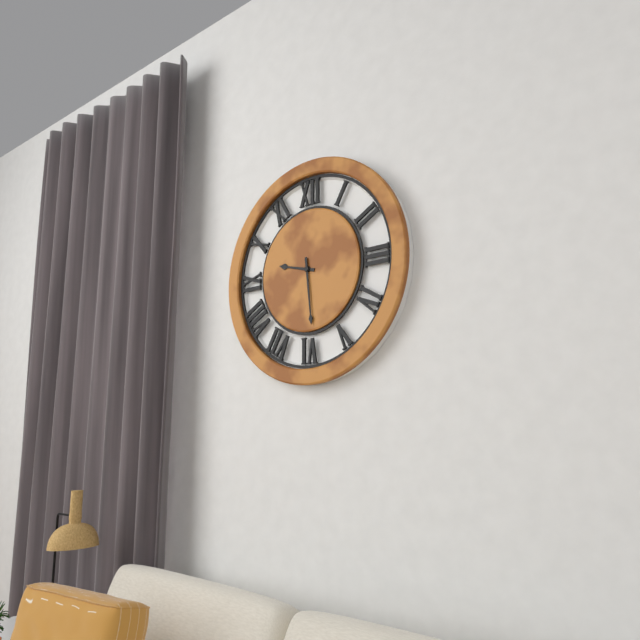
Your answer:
{"hour": 9, "minute": 29}
